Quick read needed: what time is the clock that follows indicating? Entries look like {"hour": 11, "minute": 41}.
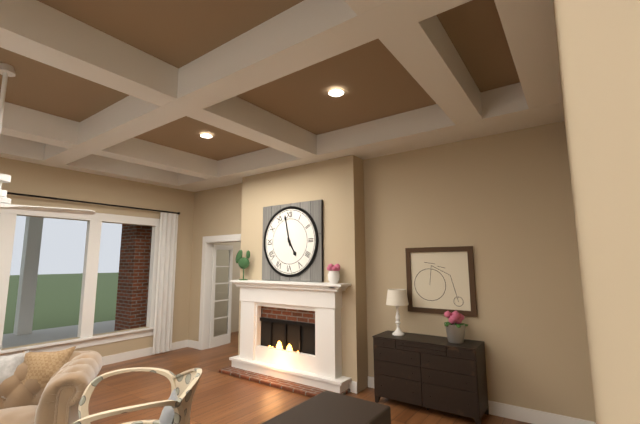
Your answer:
{"hour": 4, "minute": 58}
